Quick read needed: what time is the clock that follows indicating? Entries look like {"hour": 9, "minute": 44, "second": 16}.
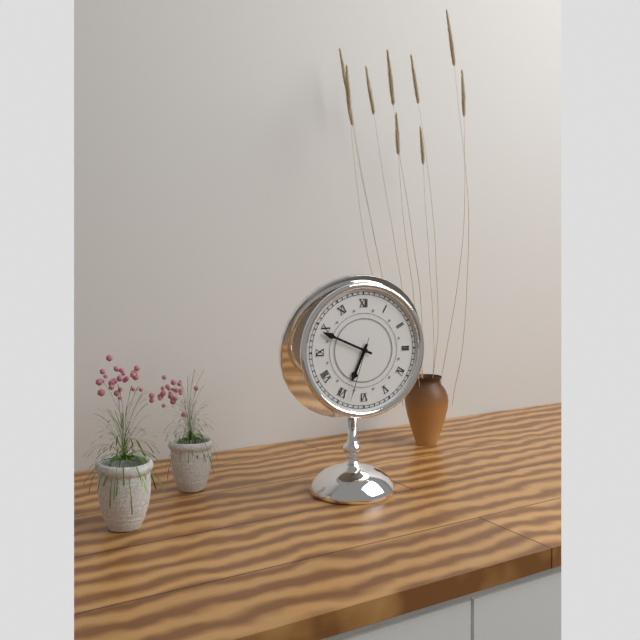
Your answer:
{"hour": 6, "minute": 49, "second": 33}
